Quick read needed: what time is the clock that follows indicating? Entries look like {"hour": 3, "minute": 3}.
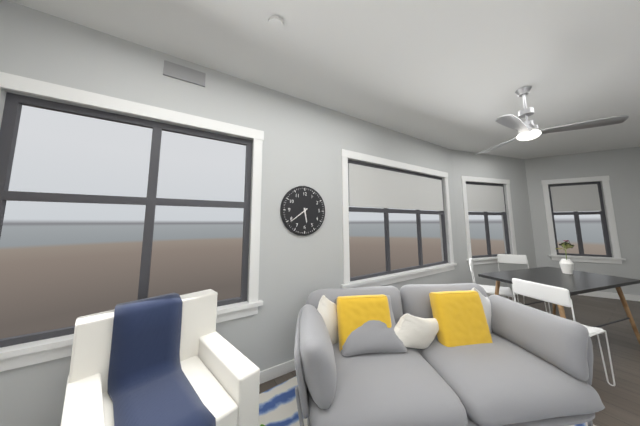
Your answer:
{"hour": 5, "minute": 39}
